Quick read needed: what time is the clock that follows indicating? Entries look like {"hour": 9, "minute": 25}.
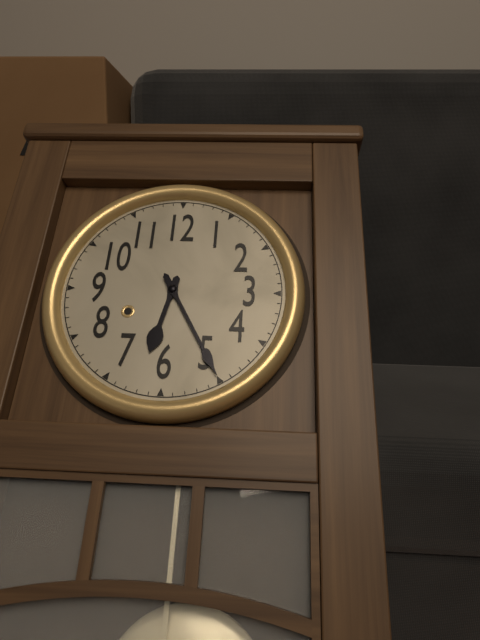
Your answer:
{"hour": 6, "minute": 25}
